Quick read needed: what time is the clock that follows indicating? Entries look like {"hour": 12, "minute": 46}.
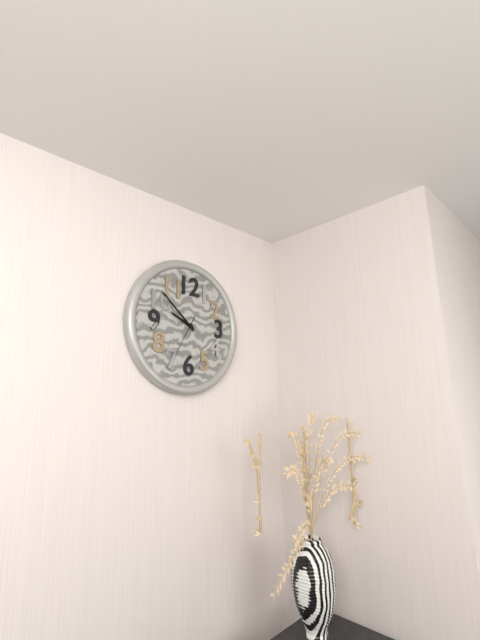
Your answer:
{"hour": 9, "minute": 52}
